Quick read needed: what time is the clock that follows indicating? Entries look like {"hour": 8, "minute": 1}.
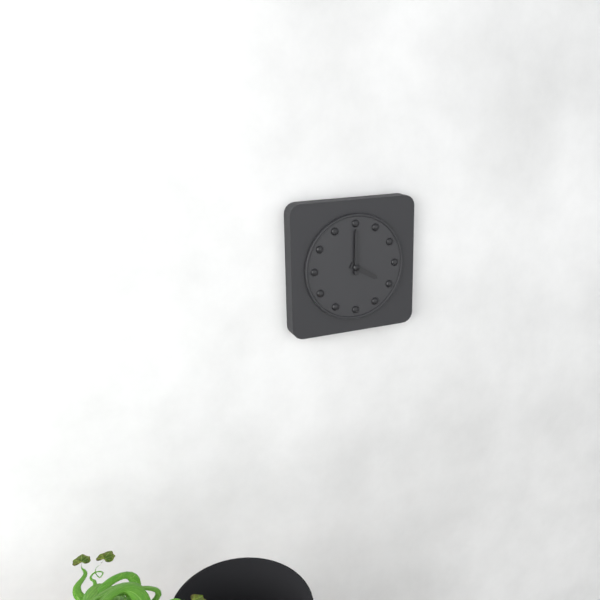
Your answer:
{"hour": 4, "minute": 0}
